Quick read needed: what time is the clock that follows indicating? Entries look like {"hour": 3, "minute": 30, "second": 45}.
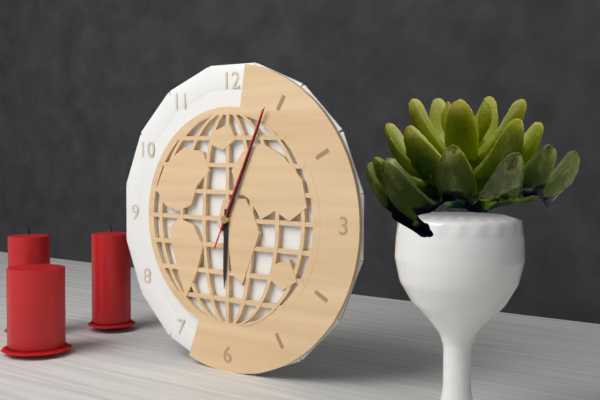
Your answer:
{"hour": 6, "minute": 4, "second": 4}
